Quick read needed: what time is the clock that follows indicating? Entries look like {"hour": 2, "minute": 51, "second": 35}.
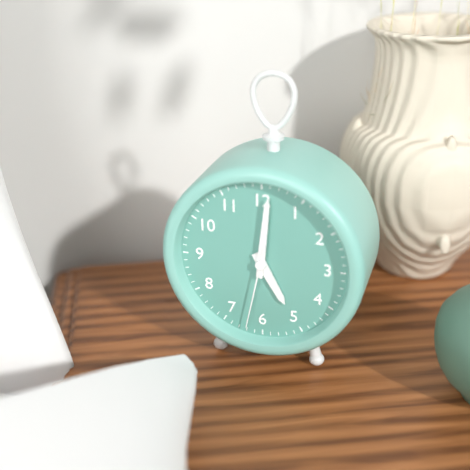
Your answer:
{"hour": 5, "minute": 1, "second": 32}
